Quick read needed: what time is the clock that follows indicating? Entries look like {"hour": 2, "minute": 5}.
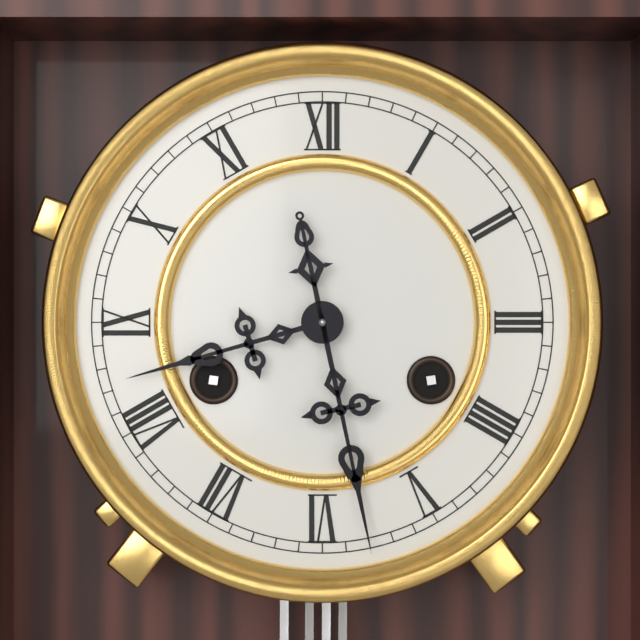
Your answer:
{"hour": 8, "minute": 28}
